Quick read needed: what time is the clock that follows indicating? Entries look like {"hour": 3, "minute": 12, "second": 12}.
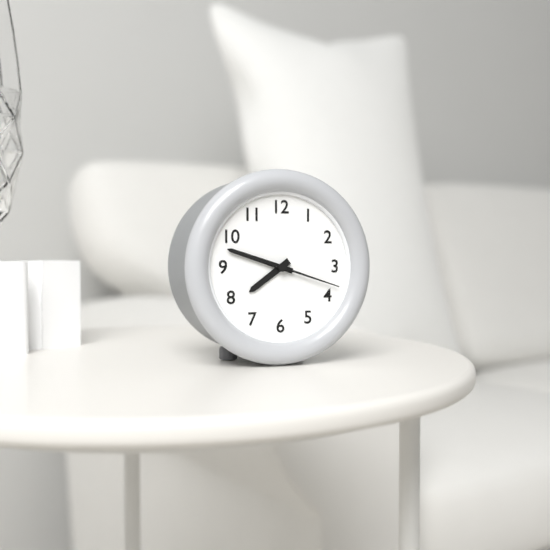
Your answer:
{"hour": 7, "minute": 48, "second": 18}
